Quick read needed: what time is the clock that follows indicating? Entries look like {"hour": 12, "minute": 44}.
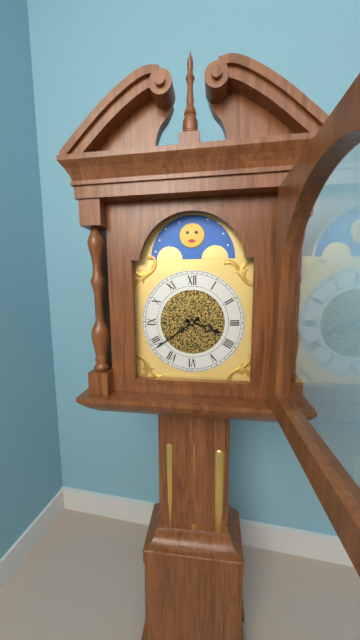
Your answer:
{"hour": 3, "minute": 39}
